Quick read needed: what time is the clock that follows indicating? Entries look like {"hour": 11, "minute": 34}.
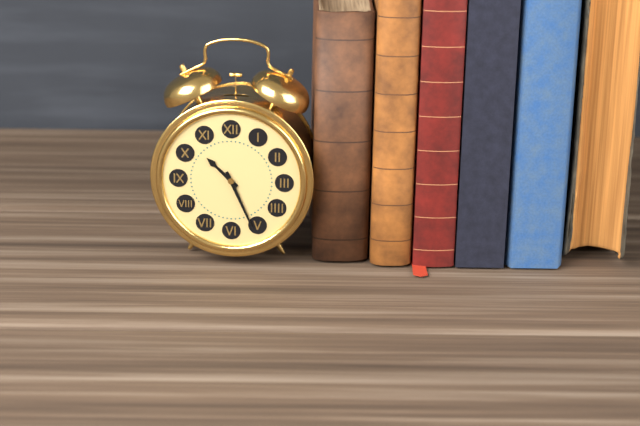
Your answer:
{"hour": 10, "minute": 26}
